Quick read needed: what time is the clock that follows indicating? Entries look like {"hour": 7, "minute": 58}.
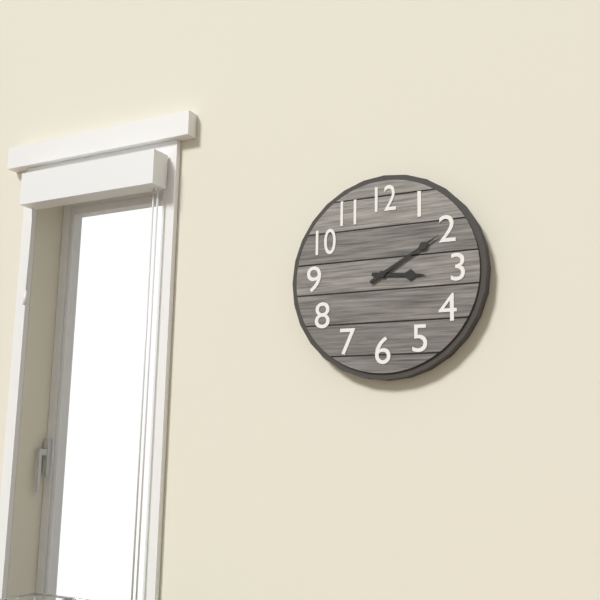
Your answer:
{"hour": 3, "minute": 10}
